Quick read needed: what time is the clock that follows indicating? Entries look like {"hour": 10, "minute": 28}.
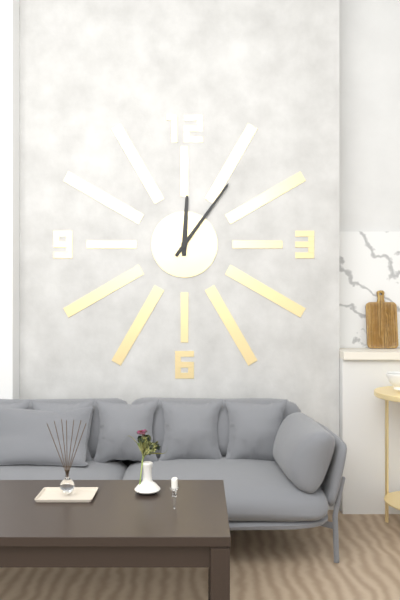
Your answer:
{"hour": 12, "minute": 6}
